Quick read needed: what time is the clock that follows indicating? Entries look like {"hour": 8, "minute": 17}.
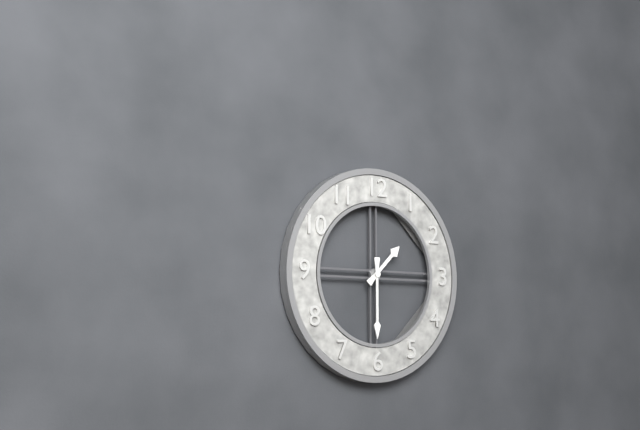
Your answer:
{"hour": 1, "minute": 30}
